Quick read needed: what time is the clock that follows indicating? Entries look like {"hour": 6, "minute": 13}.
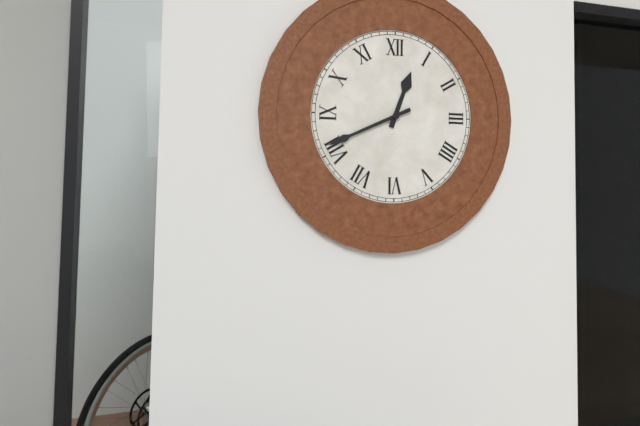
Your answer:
{"hour": 12, "minute": 41}
